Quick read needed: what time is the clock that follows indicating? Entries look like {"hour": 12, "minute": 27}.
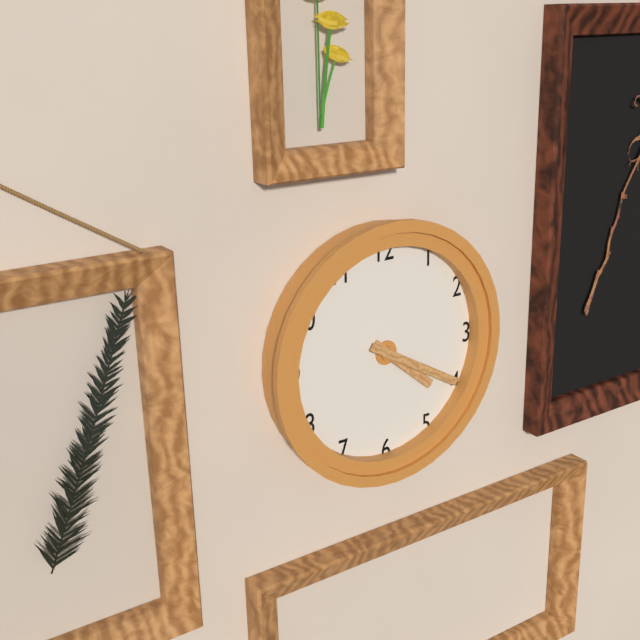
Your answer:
{"hour": 4, "minute": 20}
